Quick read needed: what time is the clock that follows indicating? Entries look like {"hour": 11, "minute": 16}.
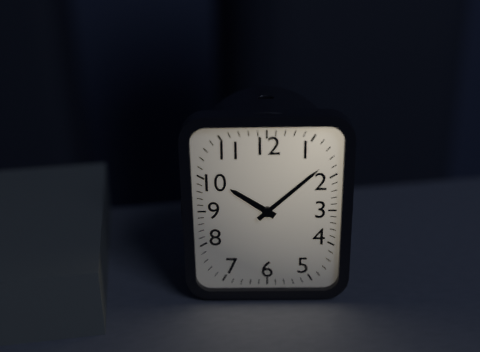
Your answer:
{"hour": 10, "minute": 8}
